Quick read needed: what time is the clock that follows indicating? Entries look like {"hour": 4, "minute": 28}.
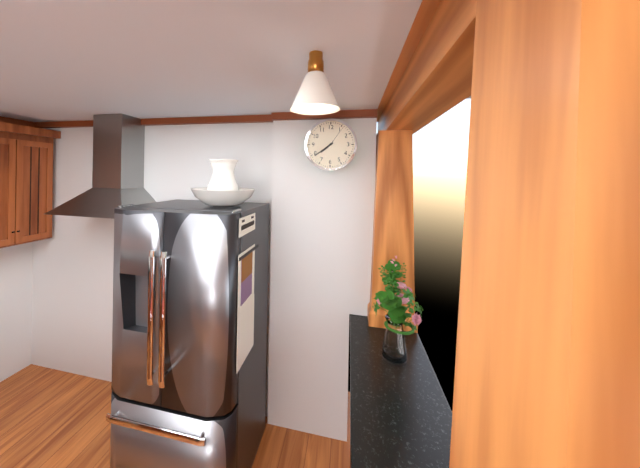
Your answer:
{"hour": 7, "minute": 39}
